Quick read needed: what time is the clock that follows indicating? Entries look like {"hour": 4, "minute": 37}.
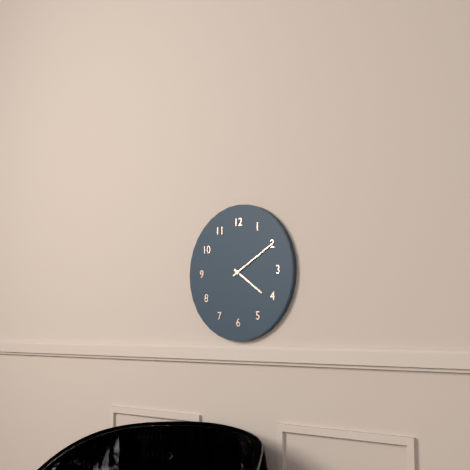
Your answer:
{"hour": 4, "minute": 10}
